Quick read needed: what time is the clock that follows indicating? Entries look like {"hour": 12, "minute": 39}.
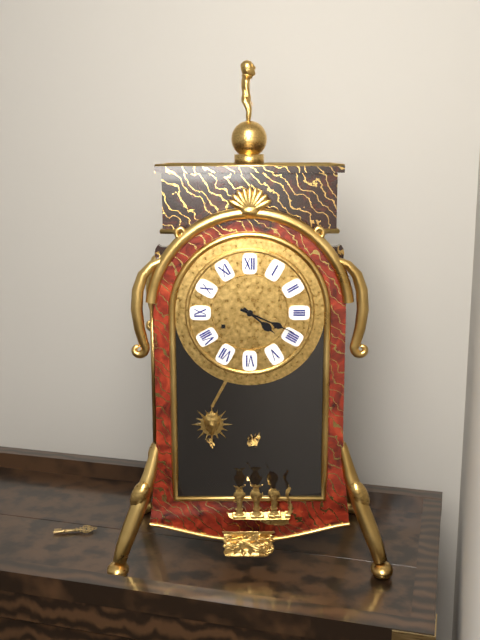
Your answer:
{"hour": 4, "minute": 19}
